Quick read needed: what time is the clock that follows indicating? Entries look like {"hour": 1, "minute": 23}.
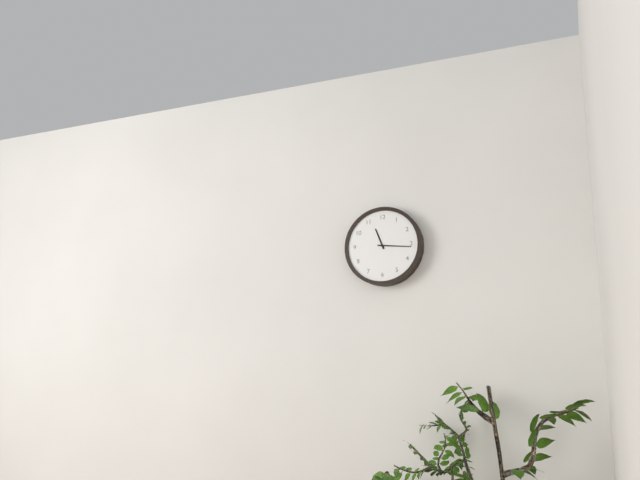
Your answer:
{"hour": 11, "minute": 16}
